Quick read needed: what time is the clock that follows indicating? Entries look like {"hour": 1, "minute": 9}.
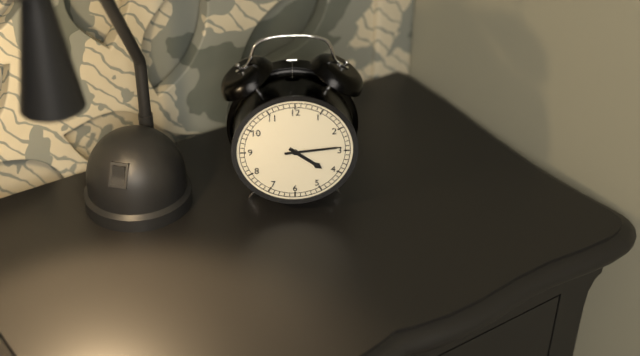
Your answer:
{"hour": 4, "minute": 14}
